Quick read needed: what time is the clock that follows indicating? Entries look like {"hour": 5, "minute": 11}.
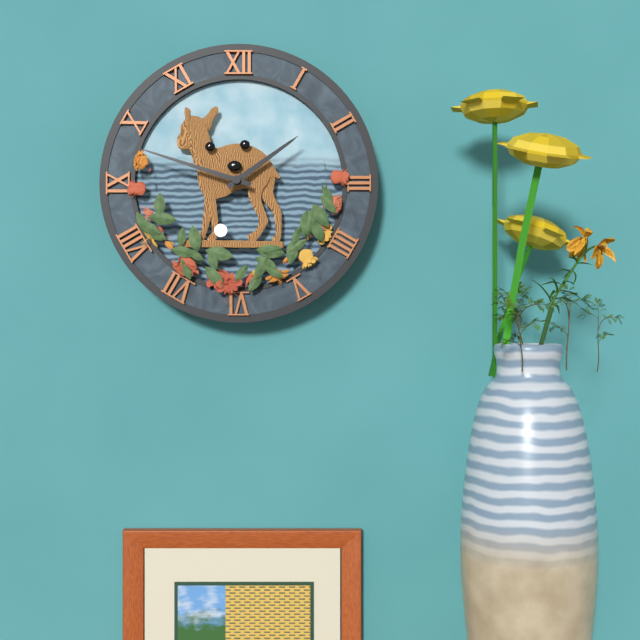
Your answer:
{"hour": 1, "minute": 48}
